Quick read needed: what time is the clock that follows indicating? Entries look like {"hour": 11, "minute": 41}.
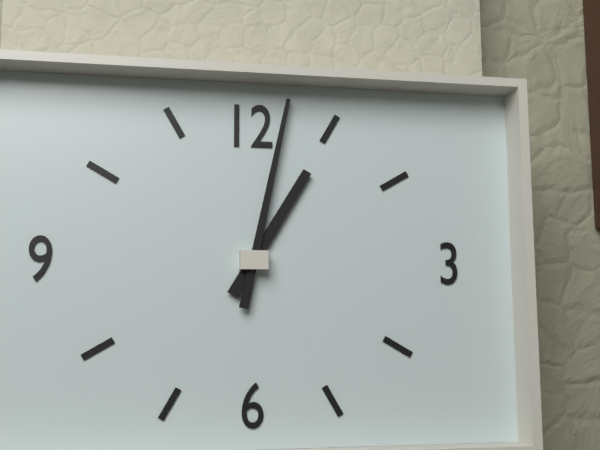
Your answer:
{"hour": 1, "minute": 2}
